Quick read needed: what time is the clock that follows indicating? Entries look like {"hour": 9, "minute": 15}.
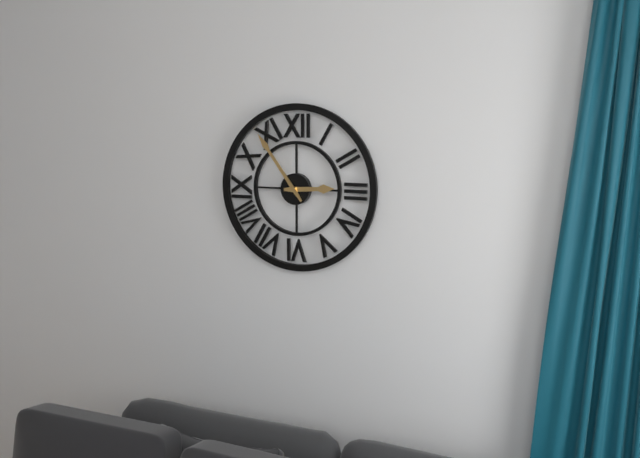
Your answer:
{"hour": 2, "minute": 54}
